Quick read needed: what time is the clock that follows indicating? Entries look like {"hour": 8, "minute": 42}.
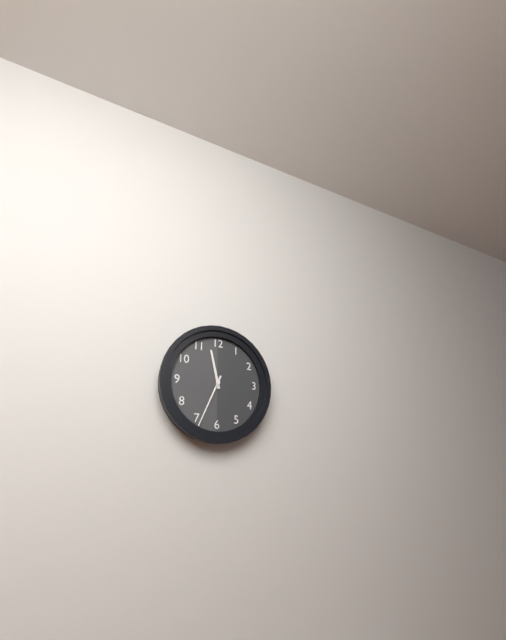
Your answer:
{"hour": 11, "minute": 34}
